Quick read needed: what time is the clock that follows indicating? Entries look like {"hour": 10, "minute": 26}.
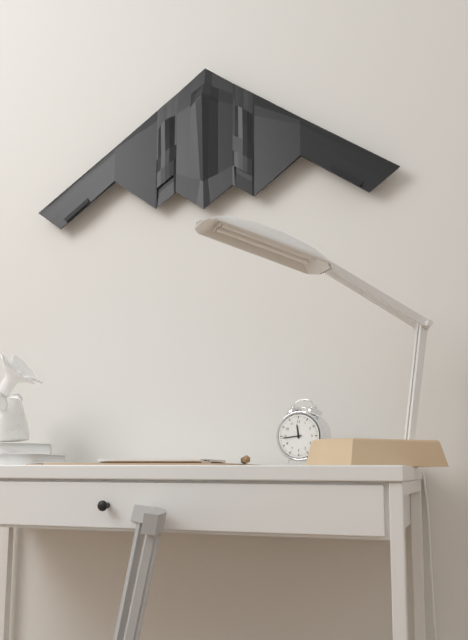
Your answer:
{"hour": 11, "minute": 44}
